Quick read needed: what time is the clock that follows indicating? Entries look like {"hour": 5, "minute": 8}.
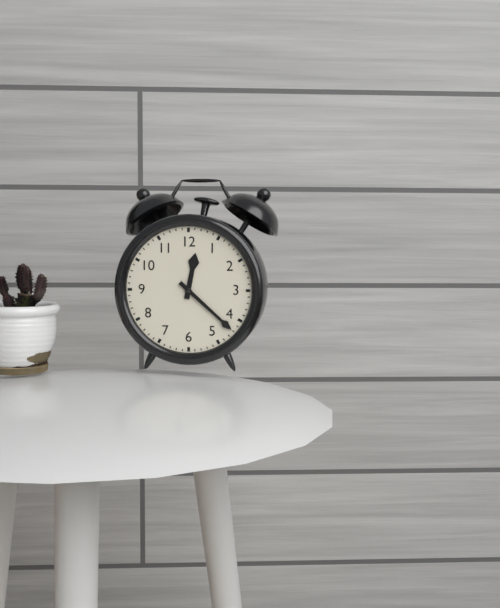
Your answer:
{"hour": 12, "minute": 22}
